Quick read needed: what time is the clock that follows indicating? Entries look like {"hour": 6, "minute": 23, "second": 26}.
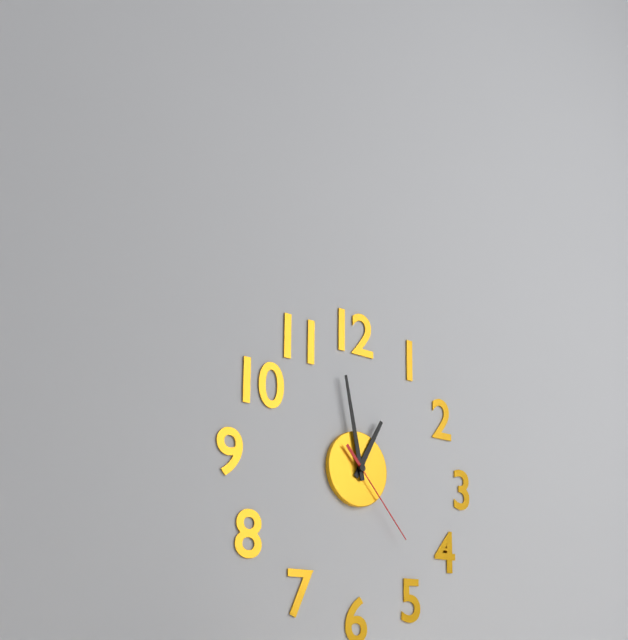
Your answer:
{"hour": 12, "minute": 58, "second": 23}
